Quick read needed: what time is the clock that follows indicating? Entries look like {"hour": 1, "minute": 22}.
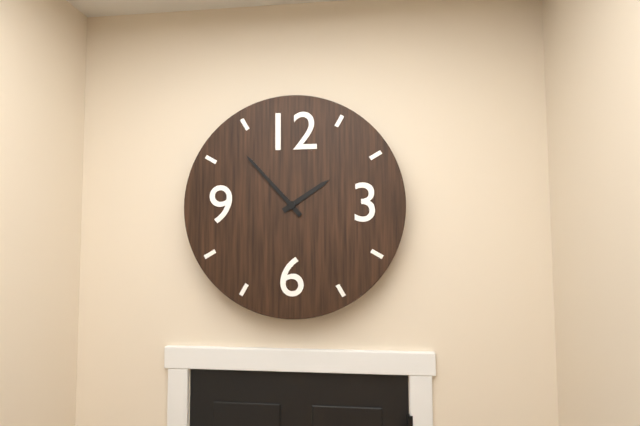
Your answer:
{"hour": 1, "minute": 53}
